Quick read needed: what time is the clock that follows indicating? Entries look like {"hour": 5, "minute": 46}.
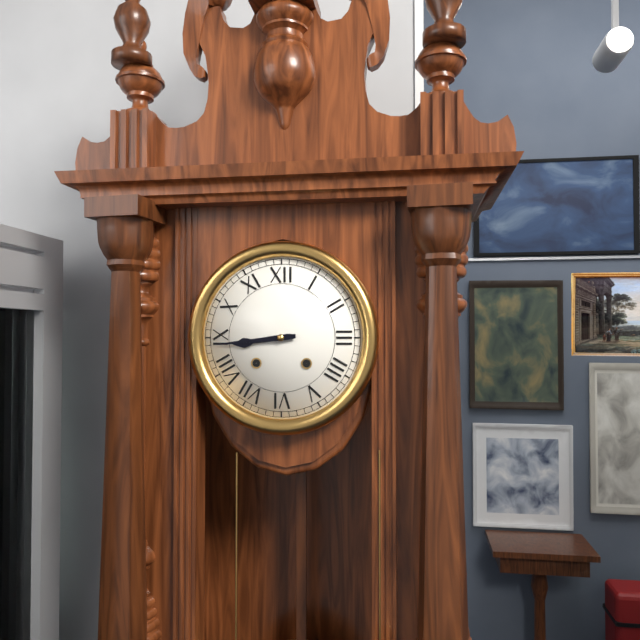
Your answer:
{"hour": 8, "minute": 44}
